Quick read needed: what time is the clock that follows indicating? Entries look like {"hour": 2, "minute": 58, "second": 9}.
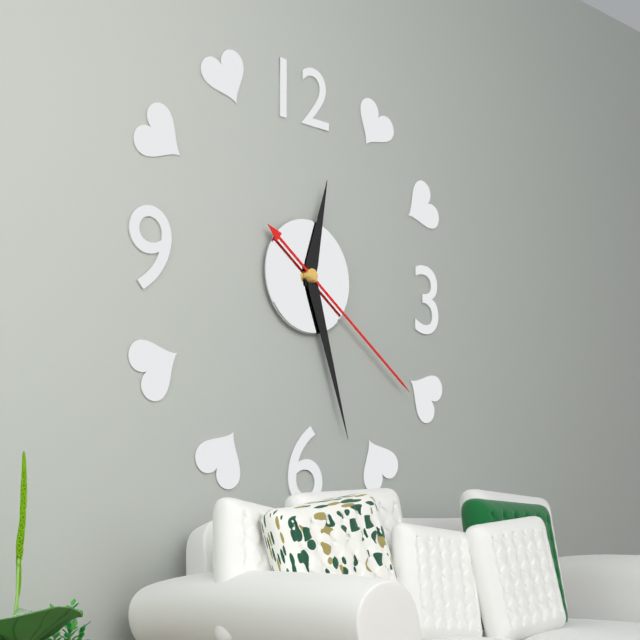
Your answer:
{"hour": 12, "minute": 27, "second": 21}
